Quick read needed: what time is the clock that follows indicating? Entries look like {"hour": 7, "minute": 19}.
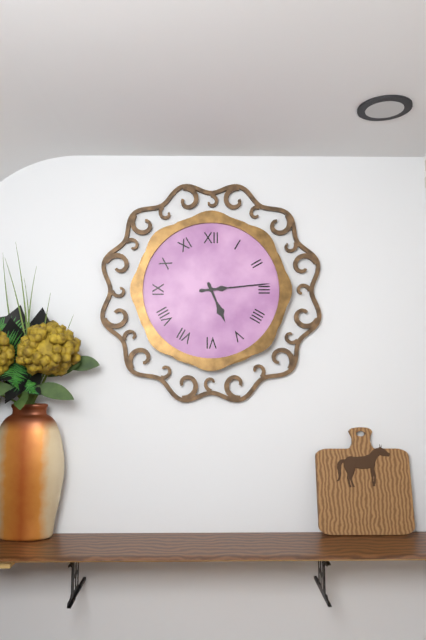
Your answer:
{"hour": 5, "minute": 14}
